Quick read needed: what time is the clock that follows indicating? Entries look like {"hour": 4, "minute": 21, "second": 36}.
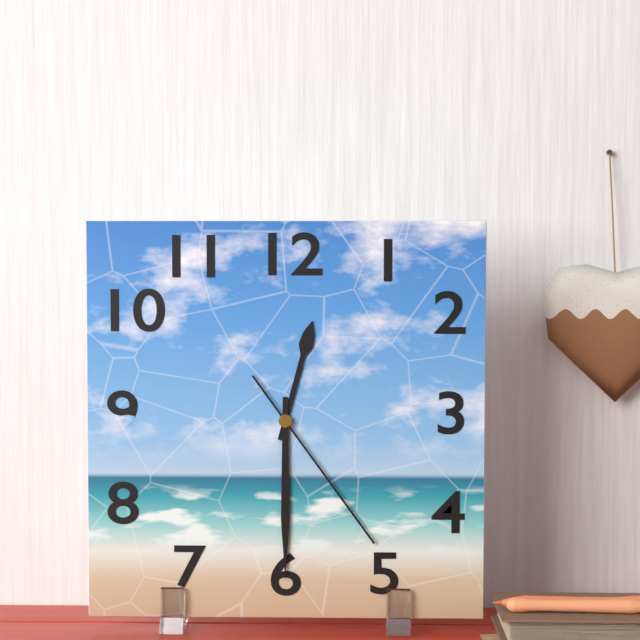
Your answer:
{"hour": 12, "minute": 30, "second": 24}
